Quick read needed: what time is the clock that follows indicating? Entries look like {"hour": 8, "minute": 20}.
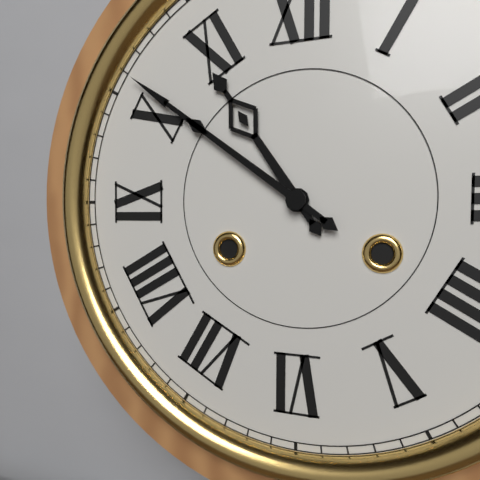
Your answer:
{"hour": 10, "minute": 51}
